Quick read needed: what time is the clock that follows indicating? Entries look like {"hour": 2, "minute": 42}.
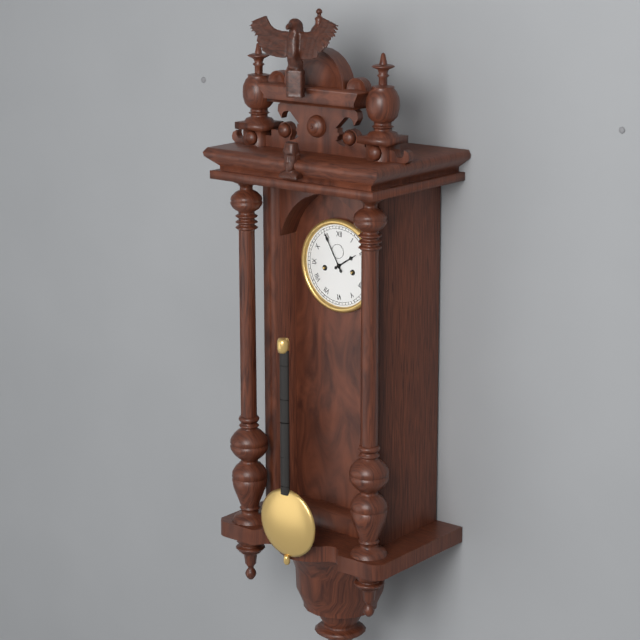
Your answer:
{"hour": 1, "minute": 55}
